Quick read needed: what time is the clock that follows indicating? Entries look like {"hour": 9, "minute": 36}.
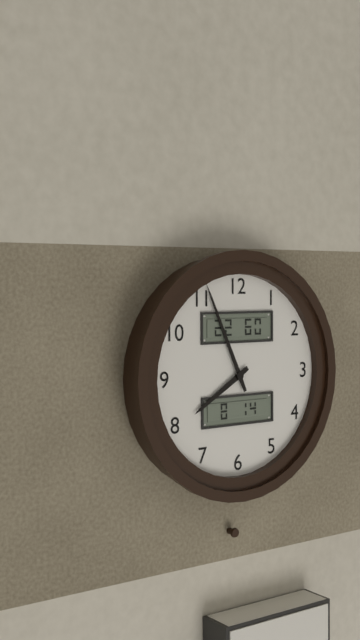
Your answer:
{"hour": 7, "minute": 56}
